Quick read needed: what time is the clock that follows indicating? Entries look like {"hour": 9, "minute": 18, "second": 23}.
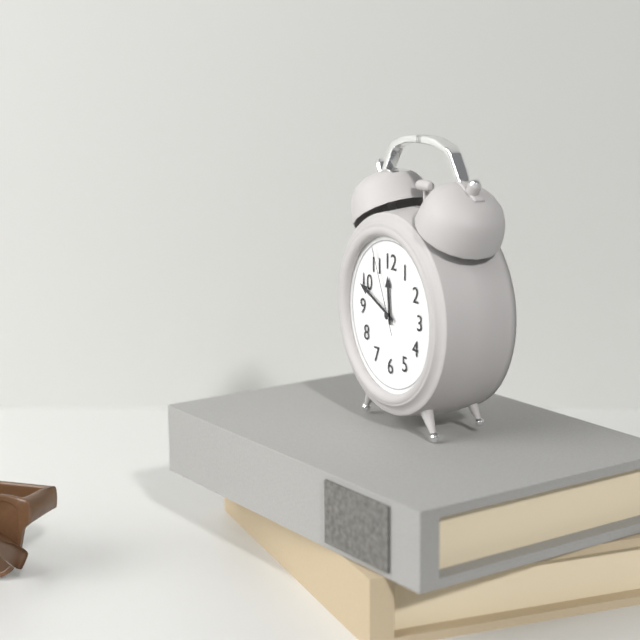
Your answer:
{"hour": 11, "minute": 49, "second": 56}
